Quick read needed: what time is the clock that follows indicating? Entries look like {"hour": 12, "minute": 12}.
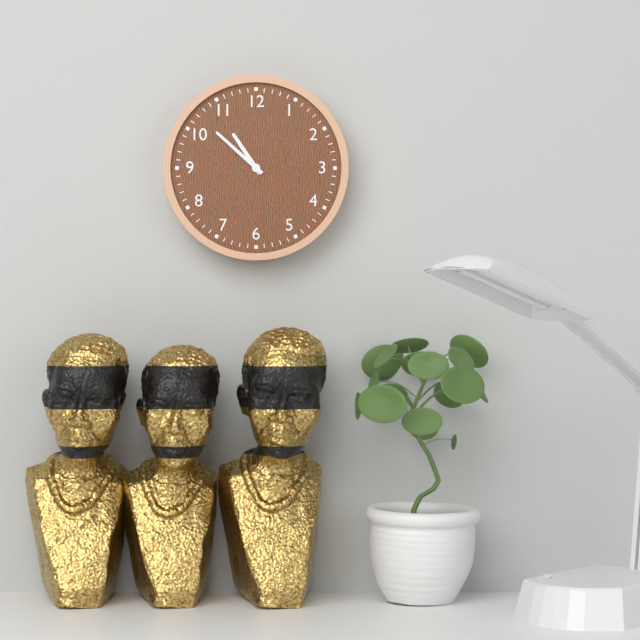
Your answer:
{"hour": 10, "minute": 52}
